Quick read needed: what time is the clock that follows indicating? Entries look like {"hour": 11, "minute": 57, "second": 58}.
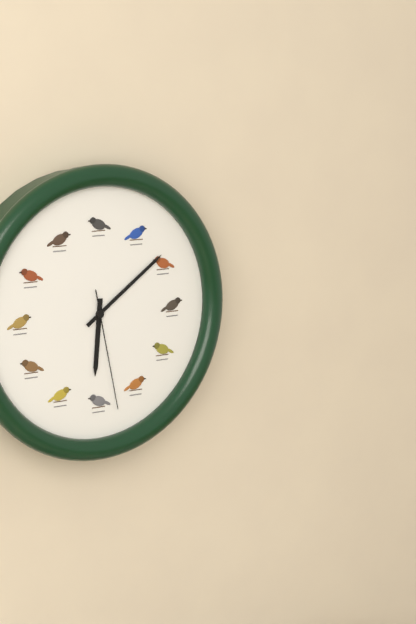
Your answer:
{"hour": 6, "minute": 9, "second": 28}
